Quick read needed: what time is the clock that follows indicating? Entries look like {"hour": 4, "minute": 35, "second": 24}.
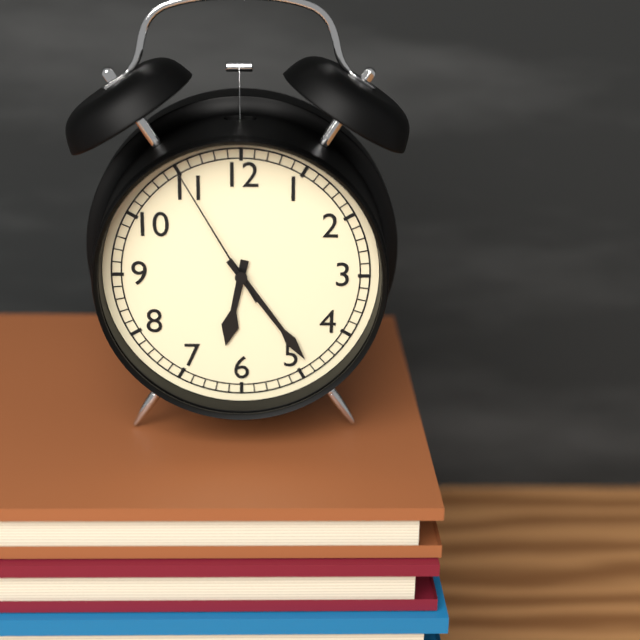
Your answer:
{"hour": 6, "minute": 24, "second": 55}
